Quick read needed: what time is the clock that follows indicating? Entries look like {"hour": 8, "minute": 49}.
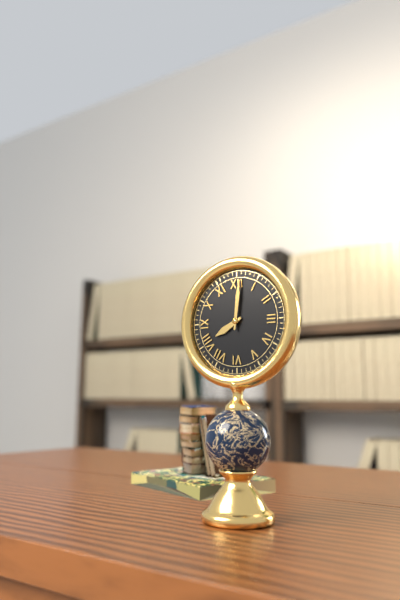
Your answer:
{"hour": 8, "minute": 1}
